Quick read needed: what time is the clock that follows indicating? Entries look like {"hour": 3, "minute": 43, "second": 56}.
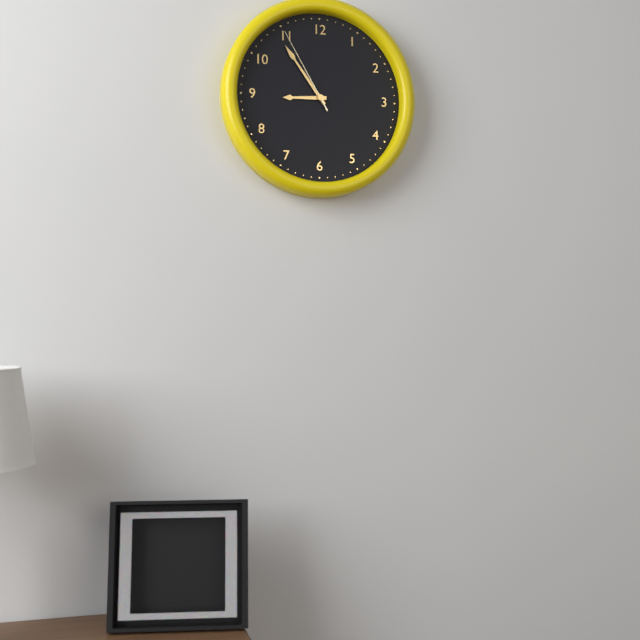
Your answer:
{"hour": 8, "minute": 54, "second": 55}
